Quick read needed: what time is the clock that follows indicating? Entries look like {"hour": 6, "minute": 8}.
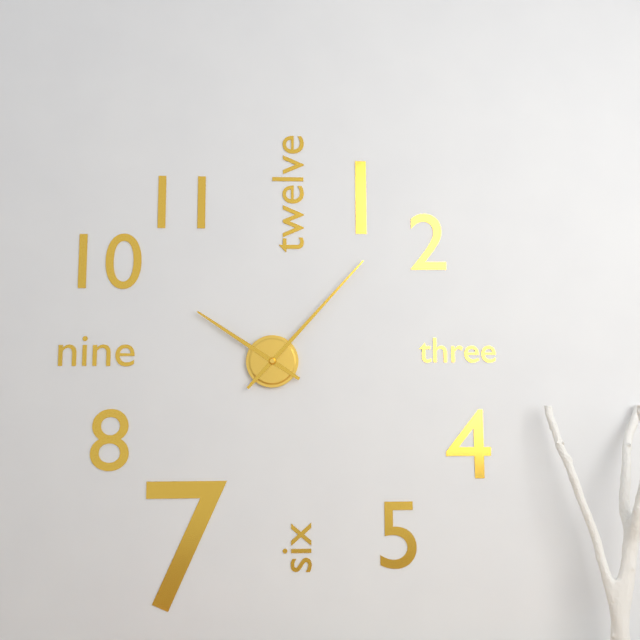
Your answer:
{"hour": 10, "minute": 7}
